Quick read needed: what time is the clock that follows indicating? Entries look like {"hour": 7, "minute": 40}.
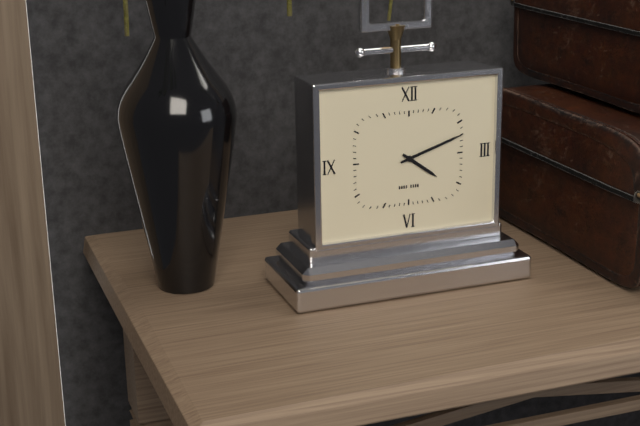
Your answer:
{"hour": 4, "minute": 12}
